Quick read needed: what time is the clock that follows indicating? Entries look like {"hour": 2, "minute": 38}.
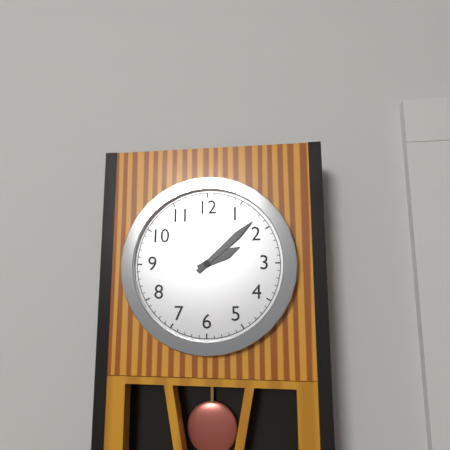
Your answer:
{"hour": 2, "minute": 8}
